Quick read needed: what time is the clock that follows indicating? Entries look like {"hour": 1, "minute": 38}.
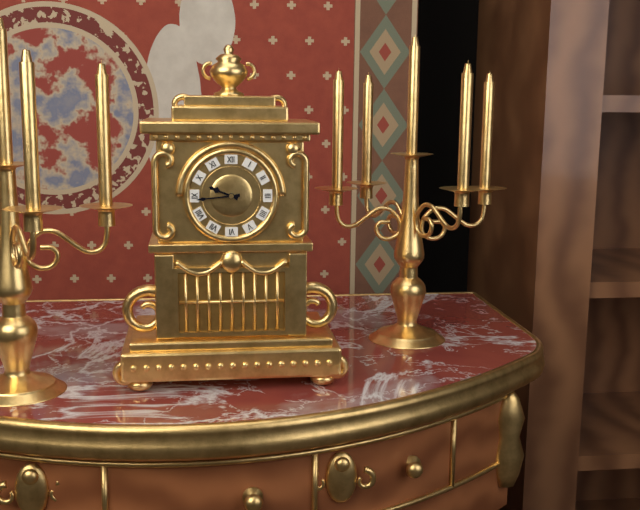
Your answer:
{"hour": 9, "minute": 44}
